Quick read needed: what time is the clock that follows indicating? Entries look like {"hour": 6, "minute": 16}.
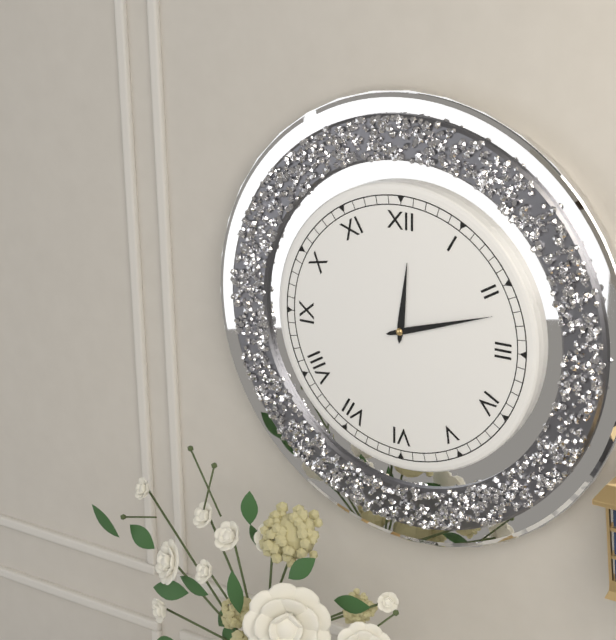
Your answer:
{"hour": 12, "minute": 12}
